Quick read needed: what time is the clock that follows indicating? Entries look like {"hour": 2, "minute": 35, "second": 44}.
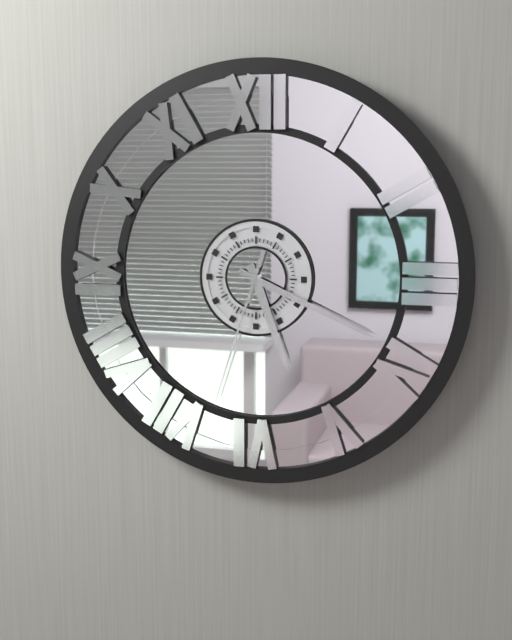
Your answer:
{"hour": 5, "minute": 19, "second": 33}
